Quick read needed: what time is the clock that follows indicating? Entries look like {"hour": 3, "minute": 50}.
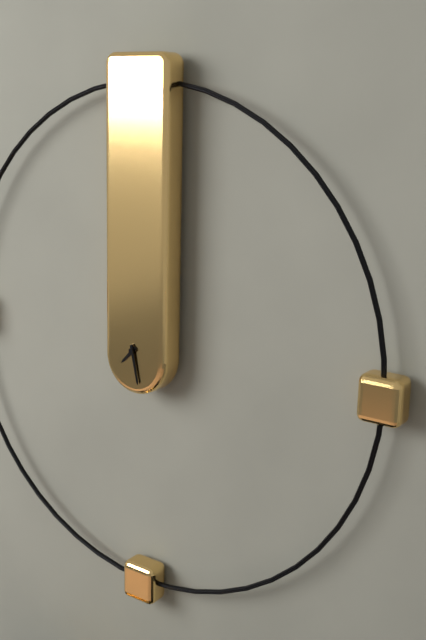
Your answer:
{"hour": 7, "minute": 28}
